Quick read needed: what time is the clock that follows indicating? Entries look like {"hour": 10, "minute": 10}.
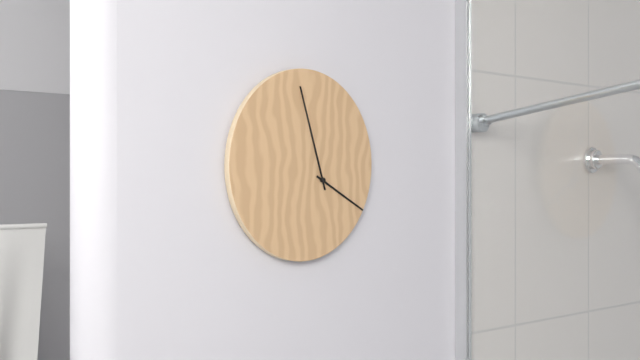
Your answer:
{"hour": 3, "minute": 57}
